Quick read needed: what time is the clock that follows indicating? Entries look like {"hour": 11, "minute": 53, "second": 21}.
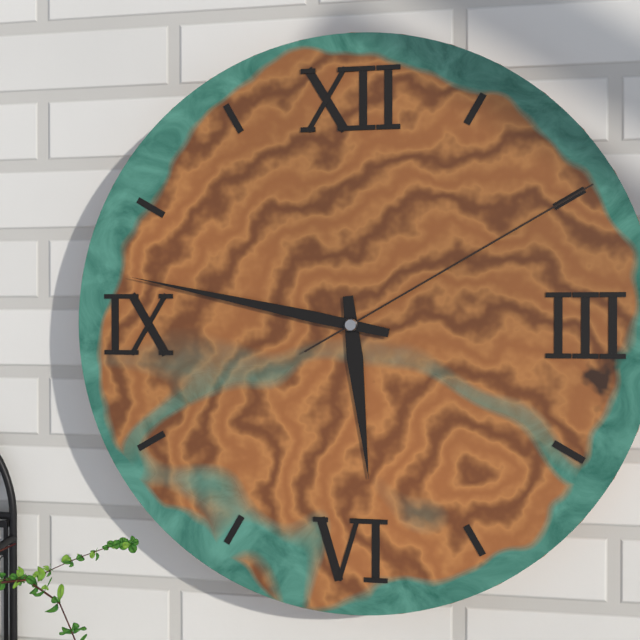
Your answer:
{"hour": 5, "minute": 47, "second": 10}
